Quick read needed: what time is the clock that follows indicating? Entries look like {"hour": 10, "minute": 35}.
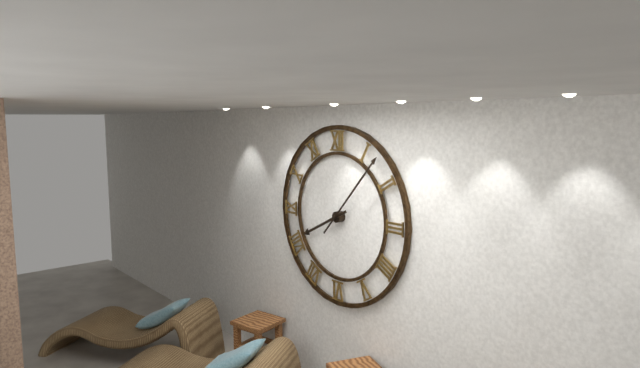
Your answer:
{"hour": 8, "minute": 7}
